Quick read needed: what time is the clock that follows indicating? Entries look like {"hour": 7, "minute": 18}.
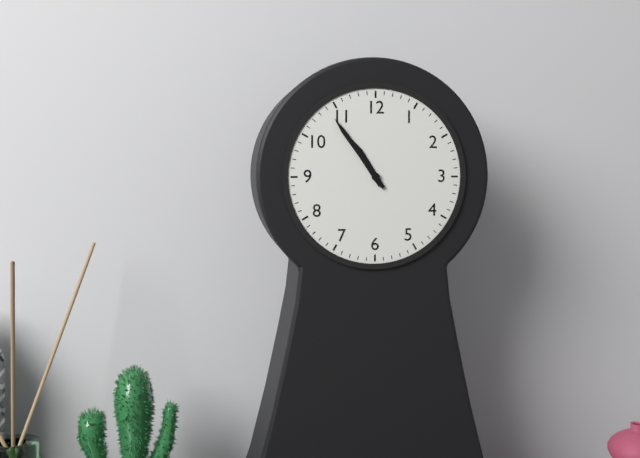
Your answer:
{"hour": 10, "minute": 54}
